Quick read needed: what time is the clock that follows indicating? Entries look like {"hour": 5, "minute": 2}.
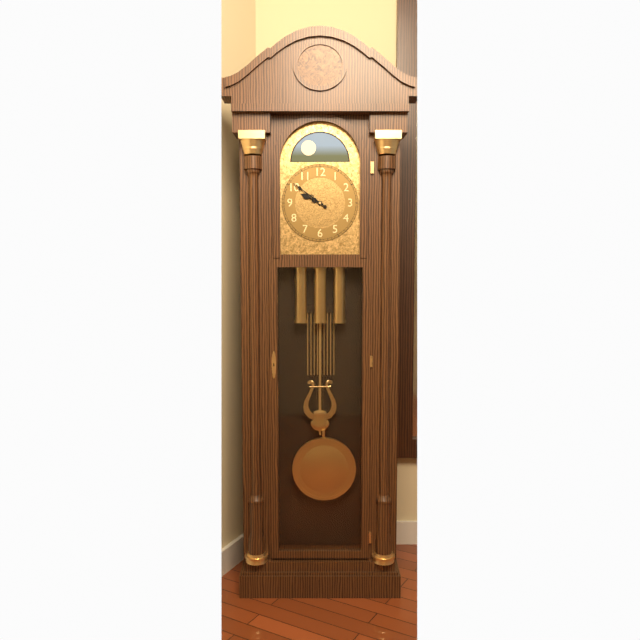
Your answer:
{"hour": 9, "minute": 51}
